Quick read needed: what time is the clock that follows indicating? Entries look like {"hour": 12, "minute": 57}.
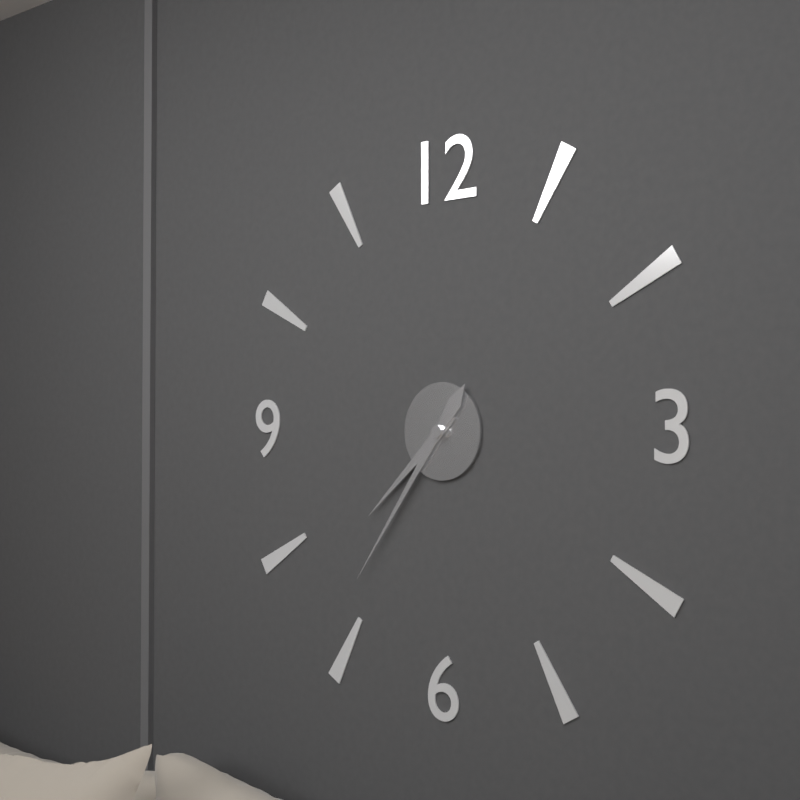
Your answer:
{"hour": 7, "minute": 36}
